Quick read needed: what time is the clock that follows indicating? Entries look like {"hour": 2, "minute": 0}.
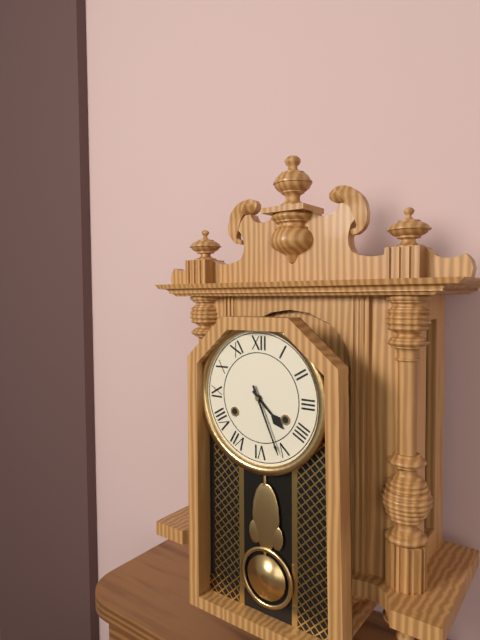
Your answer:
{"hour": 4, "minute": 26}
